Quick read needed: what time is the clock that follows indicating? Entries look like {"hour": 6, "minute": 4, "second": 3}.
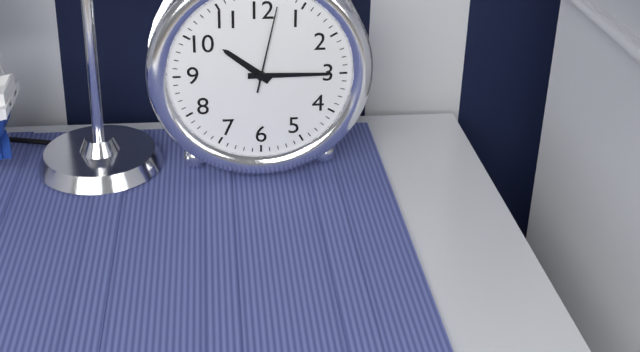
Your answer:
{"hour": 10, "minute": 15, "second": 2}
